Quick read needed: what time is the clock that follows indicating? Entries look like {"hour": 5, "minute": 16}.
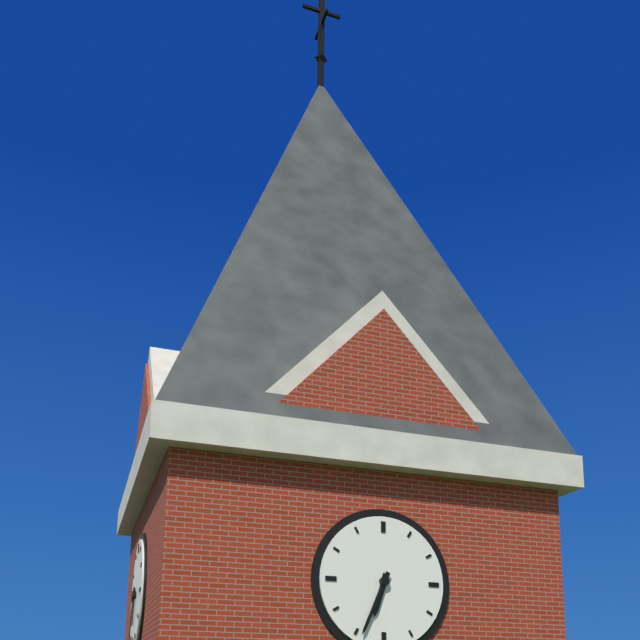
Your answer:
{"hour": 6, "minute": 34}
